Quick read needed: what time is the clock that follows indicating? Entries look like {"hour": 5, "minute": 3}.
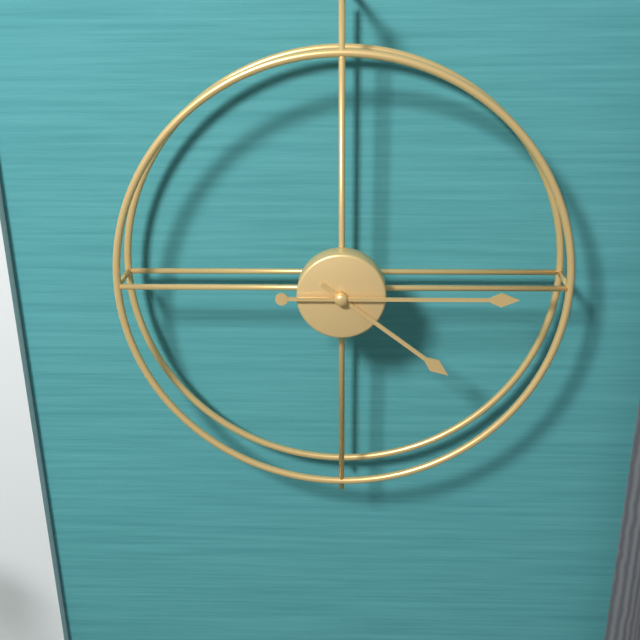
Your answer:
{"hour": 4, "minute": 15}
